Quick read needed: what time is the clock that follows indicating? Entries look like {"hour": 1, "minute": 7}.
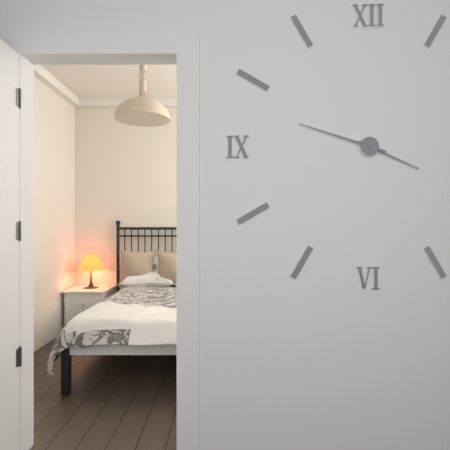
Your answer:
{"hour": 3, "minute": 48}
